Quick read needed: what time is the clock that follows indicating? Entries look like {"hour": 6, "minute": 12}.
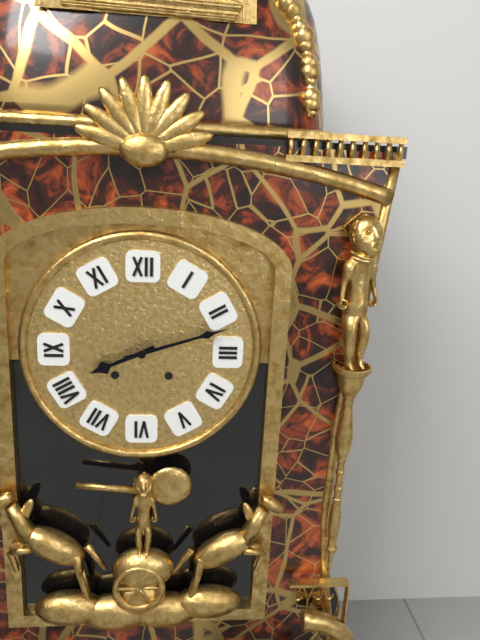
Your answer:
{"hour": 8, "minute": 12}
